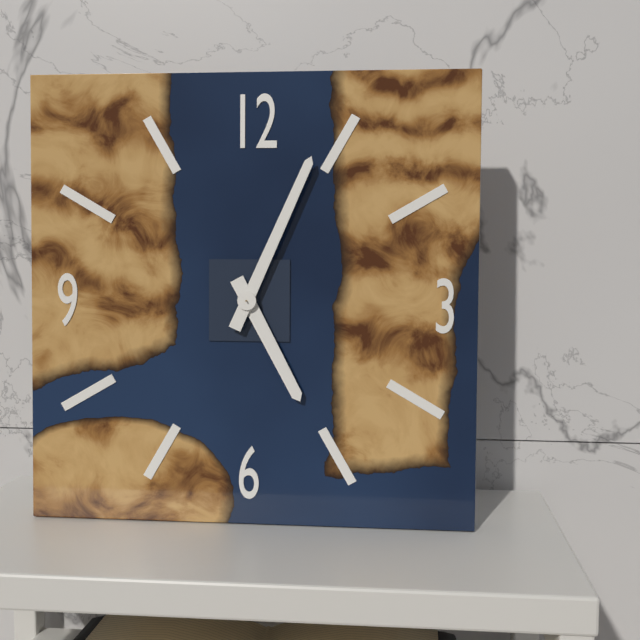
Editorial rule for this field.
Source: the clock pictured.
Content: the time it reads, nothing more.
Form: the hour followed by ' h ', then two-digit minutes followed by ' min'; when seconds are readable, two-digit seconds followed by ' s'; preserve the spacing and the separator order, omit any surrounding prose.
5 h 04 min
